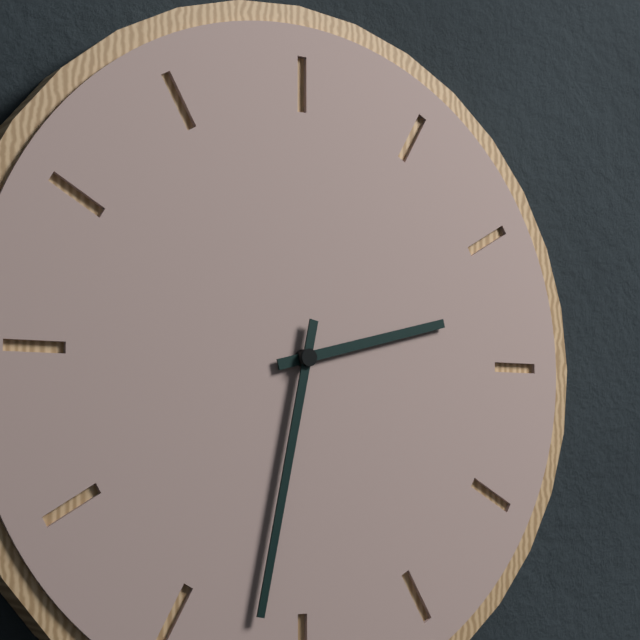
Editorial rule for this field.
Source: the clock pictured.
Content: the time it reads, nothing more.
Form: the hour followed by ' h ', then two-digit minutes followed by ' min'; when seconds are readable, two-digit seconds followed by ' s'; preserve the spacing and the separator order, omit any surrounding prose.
2 h 32 min
